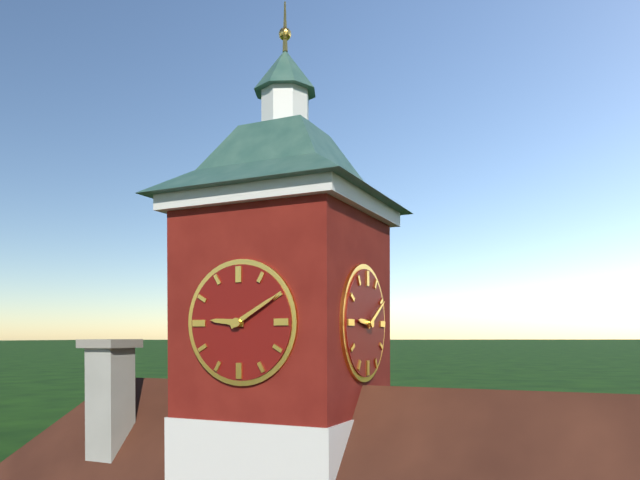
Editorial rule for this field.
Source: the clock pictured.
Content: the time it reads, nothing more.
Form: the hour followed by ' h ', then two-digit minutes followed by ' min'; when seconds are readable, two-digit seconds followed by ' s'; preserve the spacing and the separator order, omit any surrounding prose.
9 h 10 min
